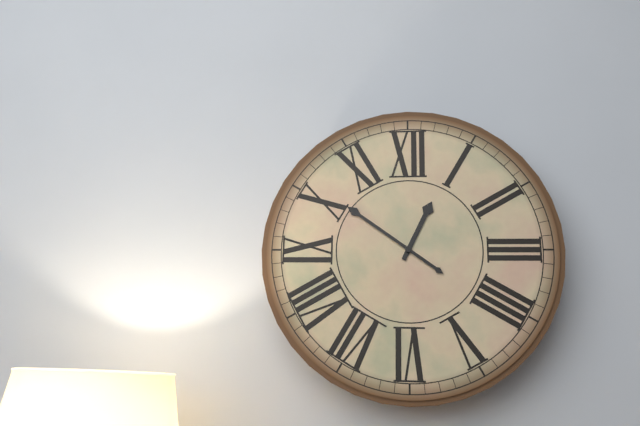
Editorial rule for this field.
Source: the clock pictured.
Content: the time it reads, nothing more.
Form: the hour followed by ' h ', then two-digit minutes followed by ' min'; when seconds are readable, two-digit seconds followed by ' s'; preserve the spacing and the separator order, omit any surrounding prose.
12 h 51 min
